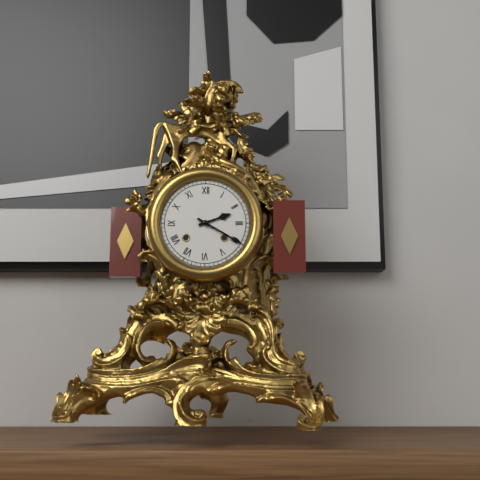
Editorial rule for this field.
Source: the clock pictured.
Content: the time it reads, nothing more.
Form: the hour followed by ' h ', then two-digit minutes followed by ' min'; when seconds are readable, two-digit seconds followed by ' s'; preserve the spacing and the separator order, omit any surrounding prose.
2 h 20 min
